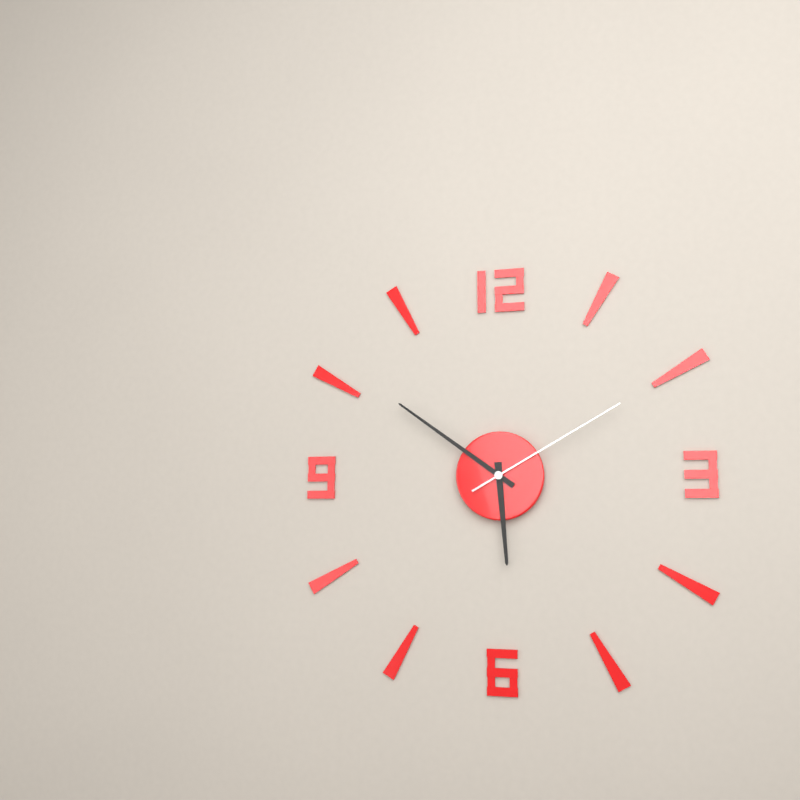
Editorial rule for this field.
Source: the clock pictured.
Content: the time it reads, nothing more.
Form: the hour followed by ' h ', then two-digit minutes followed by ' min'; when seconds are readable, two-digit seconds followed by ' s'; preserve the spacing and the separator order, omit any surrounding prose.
5 h 51 min 10 s
